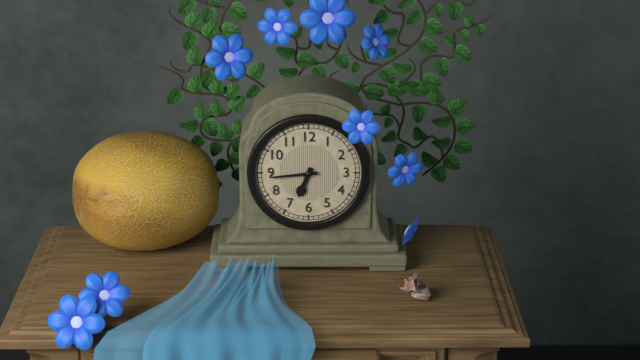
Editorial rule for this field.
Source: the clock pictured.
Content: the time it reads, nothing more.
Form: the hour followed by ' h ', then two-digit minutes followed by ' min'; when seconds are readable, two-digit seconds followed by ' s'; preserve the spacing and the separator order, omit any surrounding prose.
6 h 44 min
